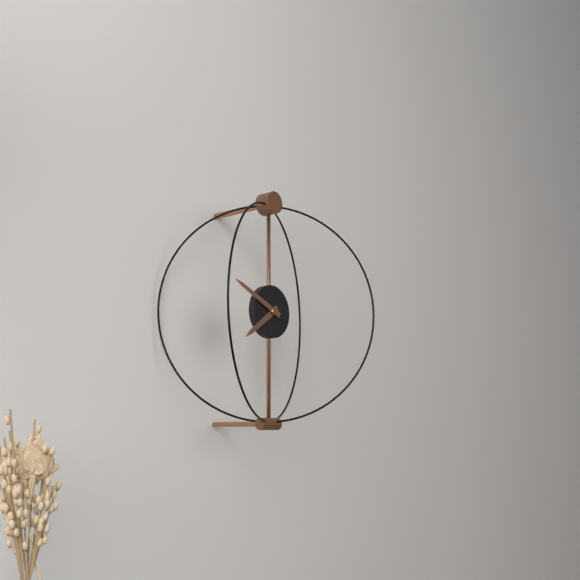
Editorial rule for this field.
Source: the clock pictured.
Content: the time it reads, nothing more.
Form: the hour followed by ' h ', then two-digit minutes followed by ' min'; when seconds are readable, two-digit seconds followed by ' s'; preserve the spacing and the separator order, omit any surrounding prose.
7 h 49 min
